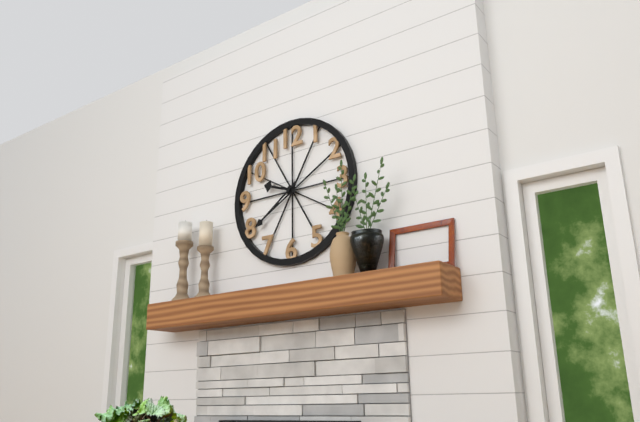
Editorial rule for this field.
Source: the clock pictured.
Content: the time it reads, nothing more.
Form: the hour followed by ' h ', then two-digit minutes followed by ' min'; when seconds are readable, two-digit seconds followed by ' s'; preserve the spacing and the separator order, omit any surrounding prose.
9 h 39 min
